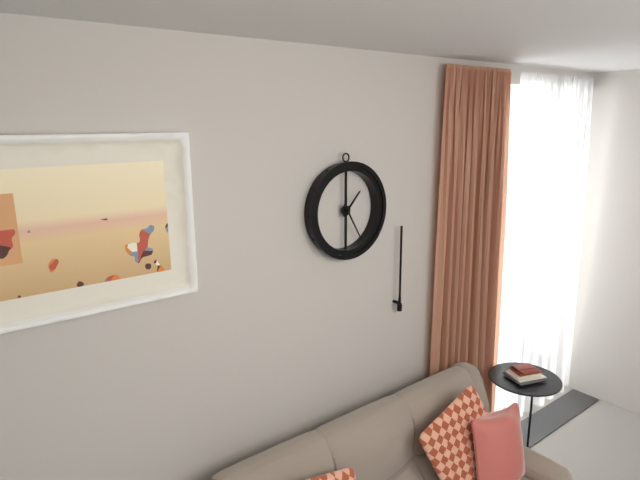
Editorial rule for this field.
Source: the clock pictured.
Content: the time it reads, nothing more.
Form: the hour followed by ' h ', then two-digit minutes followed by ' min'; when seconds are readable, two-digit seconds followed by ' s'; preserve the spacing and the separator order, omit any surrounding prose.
1 h 25 min
